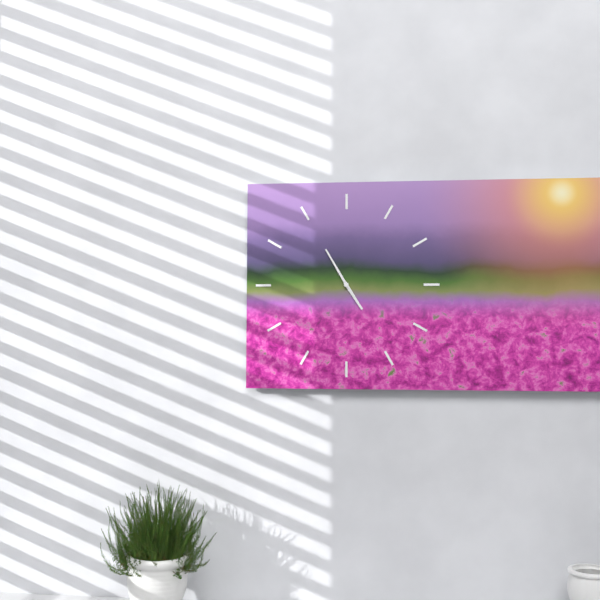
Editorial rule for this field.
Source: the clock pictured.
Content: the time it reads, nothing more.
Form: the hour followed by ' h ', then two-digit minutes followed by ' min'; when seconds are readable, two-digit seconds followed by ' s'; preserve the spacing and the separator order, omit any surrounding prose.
4 h 55 min
